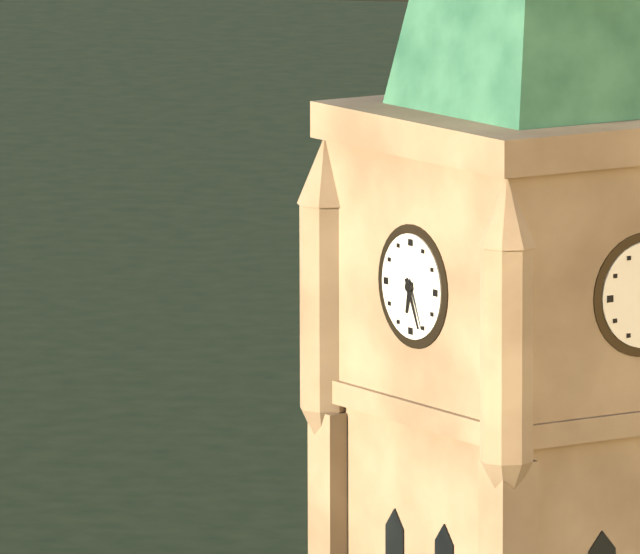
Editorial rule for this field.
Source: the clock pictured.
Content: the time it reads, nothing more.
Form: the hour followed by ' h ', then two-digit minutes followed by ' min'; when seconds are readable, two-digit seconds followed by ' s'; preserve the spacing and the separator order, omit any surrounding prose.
6 h 26 min
